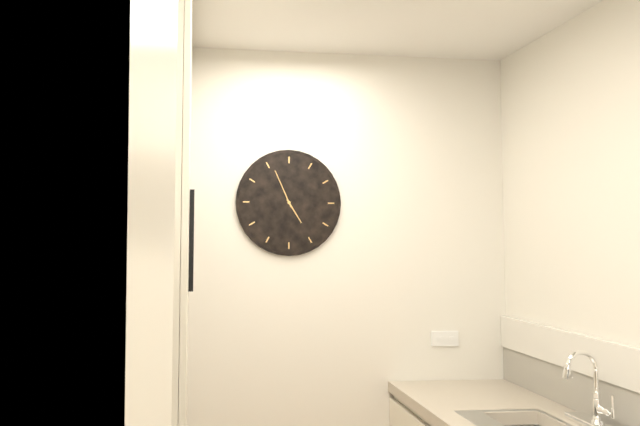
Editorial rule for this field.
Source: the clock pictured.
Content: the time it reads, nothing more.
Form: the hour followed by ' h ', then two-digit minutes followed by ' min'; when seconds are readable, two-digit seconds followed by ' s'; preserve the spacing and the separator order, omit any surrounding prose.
4 h 56 min
